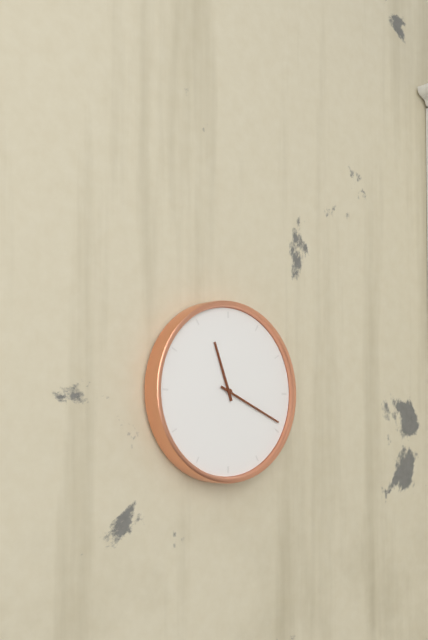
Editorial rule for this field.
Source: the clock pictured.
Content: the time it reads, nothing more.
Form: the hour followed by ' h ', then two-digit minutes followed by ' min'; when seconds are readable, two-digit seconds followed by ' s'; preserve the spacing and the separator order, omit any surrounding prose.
11 h 19 min
